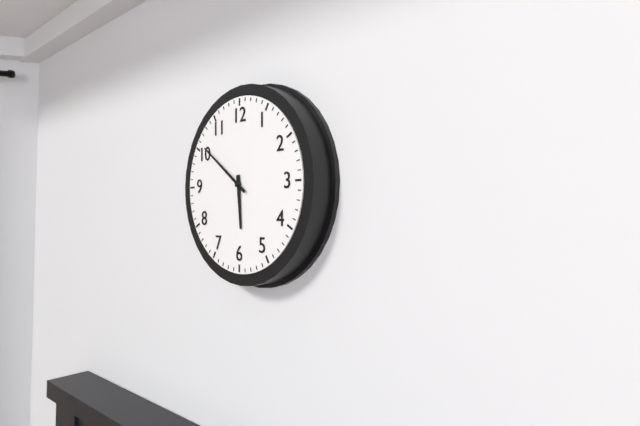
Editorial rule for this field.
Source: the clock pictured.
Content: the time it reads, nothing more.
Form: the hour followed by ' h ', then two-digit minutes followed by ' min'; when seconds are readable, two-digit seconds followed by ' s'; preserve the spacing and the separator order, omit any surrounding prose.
5 h 51 min
